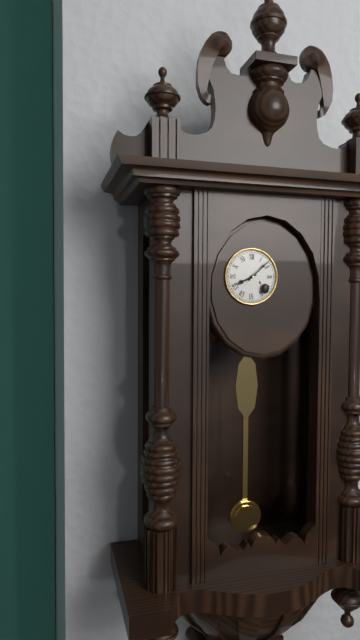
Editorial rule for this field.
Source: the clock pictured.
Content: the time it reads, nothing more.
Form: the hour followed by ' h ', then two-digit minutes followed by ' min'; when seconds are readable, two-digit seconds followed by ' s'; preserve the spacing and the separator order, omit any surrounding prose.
8 h 08 min
